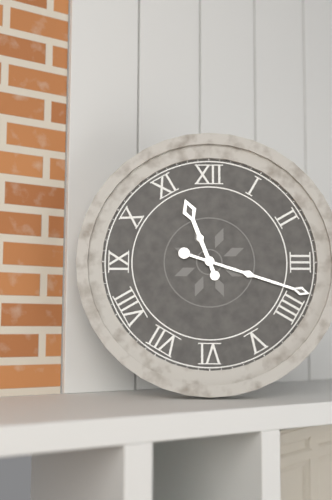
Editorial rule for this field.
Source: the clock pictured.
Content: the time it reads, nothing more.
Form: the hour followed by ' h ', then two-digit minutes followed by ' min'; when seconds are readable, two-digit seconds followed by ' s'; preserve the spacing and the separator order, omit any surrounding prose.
11 h 18 min
